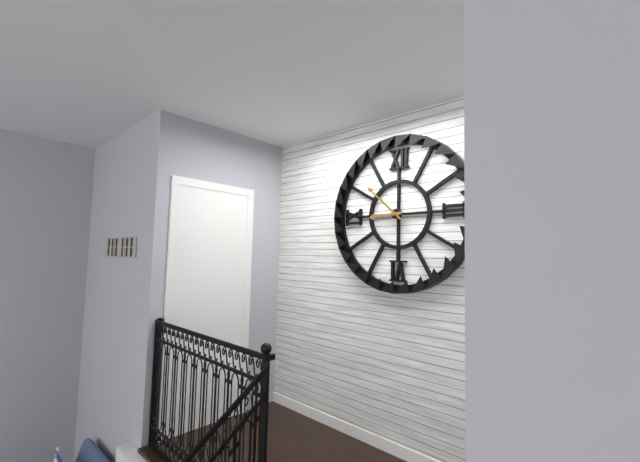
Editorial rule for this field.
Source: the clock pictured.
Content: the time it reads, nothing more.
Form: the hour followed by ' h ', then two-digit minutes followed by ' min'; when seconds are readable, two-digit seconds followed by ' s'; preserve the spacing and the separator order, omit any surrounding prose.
8 h 52 min
